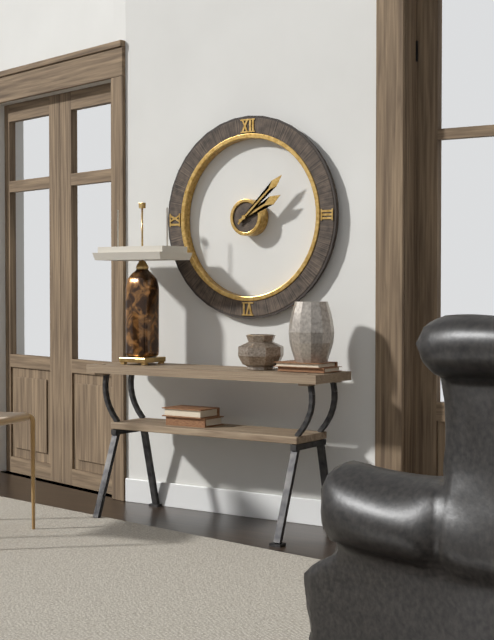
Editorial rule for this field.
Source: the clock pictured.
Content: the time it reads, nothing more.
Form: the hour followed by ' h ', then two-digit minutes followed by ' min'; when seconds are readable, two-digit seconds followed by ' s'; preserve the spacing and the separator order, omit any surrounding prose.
2 h 08 min
